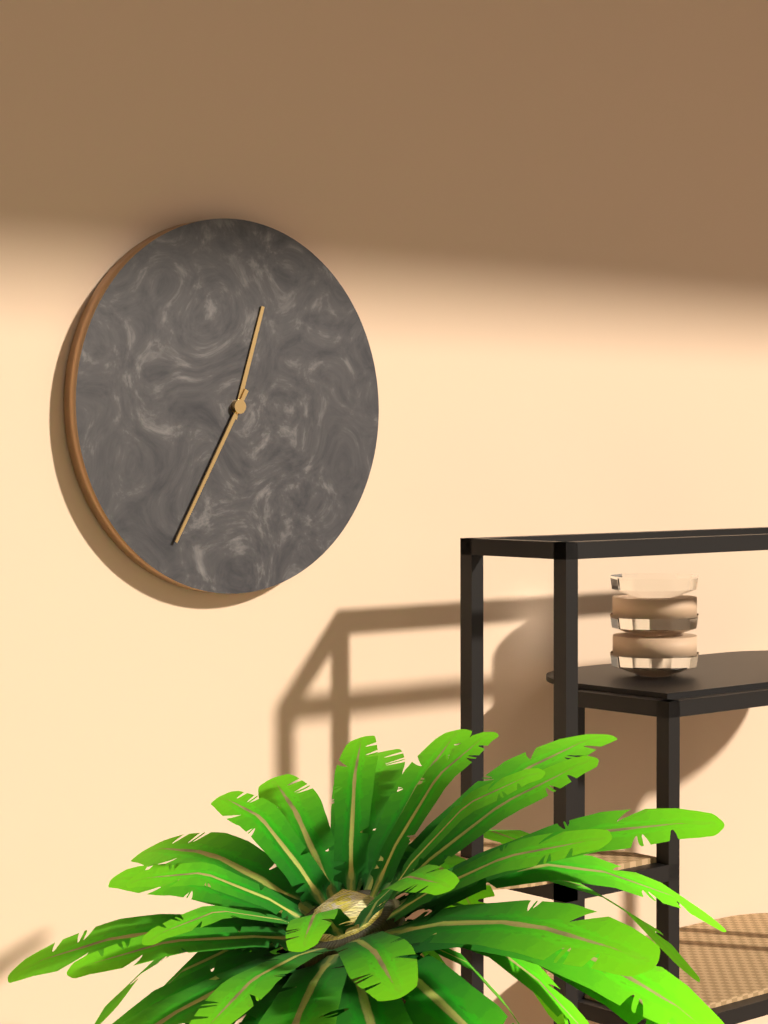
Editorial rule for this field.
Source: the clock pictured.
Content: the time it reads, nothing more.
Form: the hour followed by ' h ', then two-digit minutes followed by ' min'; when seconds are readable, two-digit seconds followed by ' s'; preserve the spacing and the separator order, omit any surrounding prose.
12 h 35 min
